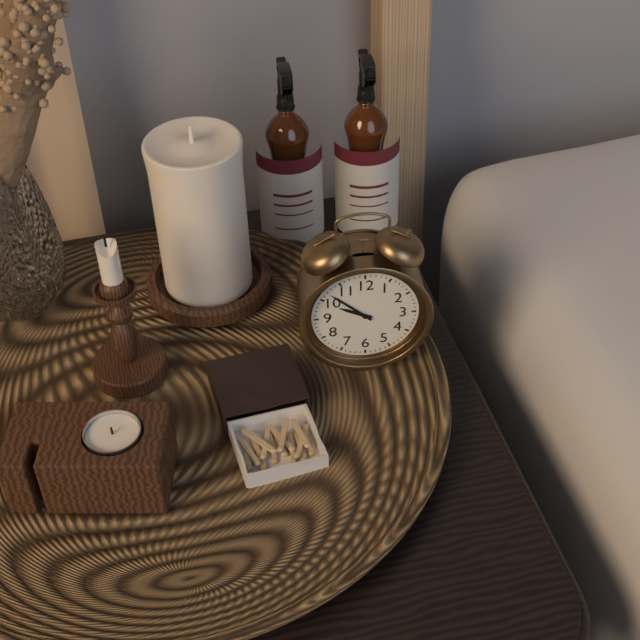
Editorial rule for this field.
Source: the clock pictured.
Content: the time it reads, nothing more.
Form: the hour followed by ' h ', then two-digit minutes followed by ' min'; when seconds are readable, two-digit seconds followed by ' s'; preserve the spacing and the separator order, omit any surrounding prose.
9 h 52 min
